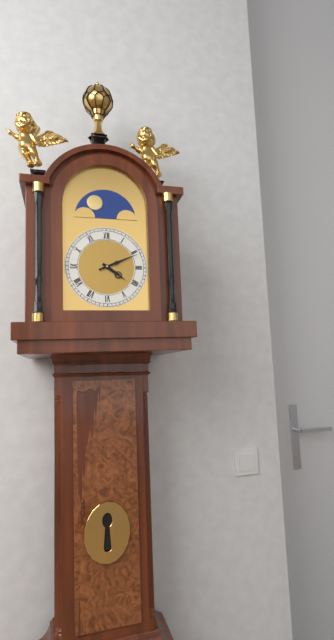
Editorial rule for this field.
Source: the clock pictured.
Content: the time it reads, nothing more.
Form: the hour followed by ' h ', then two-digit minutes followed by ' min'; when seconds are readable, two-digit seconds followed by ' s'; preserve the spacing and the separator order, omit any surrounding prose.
4 h 11 min
